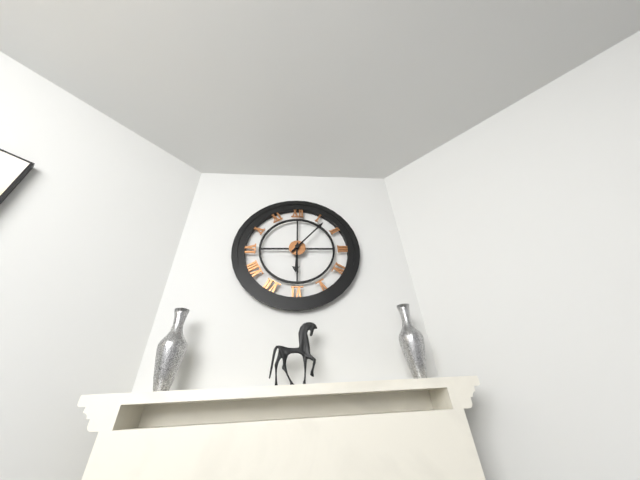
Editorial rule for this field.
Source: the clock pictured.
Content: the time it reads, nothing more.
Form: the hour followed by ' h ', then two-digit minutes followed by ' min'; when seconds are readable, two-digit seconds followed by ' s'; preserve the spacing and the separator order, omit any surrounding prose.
6 h 07 min
